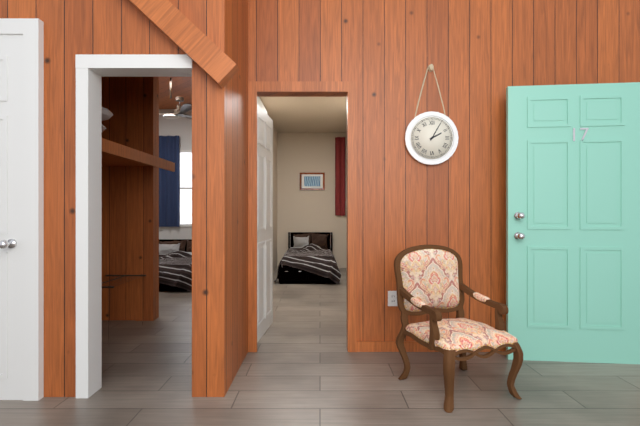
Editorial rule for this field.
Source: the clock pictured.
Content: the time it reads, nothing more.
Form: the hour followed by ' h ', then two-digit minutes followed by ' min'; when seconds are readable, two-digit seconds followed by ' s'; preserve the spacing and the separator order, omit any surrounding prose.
2 h 05 min
